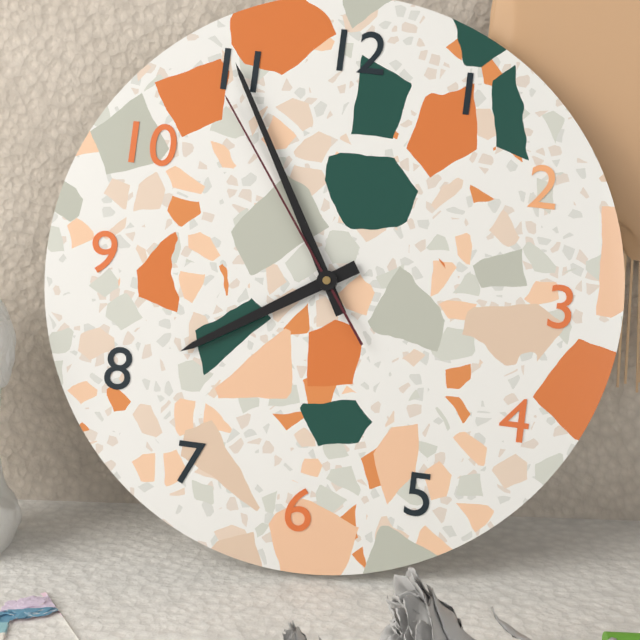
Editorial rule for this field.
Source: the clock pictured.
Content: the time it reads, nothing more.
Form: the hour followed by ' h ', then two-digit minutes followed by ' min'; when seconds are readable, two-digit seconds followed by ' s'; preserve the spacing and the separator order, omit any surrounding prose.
7 h 55 min 54 s
